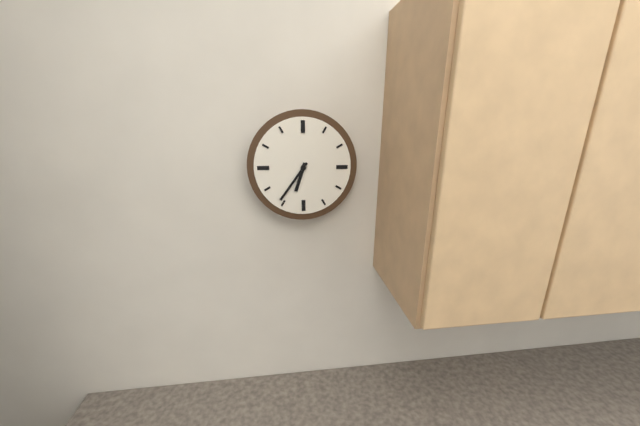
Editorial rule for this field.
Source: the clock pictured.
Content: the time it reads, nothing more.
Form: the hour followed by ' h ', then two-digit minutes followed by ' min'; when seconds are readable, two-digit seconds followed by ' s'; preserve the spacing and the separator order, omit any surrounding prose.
6 h 36 min
